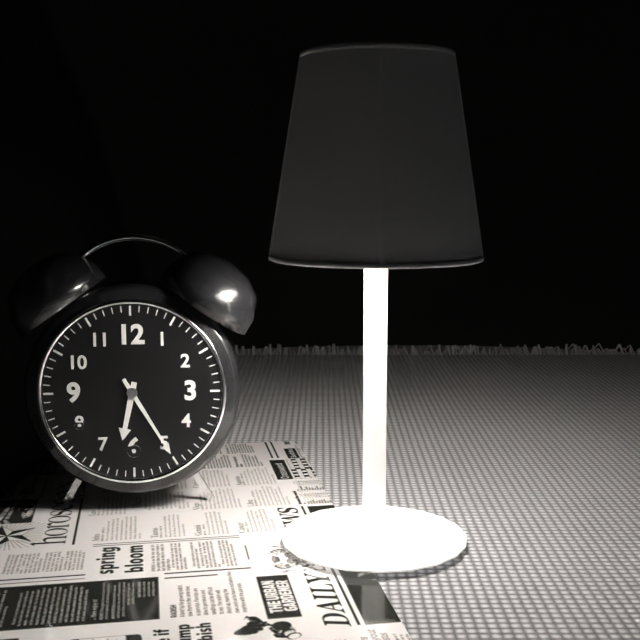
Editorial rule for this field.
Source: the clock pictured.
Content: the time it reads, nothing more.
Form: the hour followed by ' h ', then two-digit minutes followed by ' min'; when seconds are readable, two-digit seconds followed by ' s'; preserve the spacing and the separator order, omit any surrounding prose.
6 h 25 min
